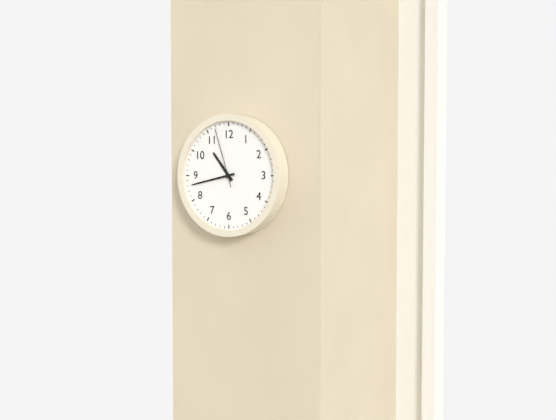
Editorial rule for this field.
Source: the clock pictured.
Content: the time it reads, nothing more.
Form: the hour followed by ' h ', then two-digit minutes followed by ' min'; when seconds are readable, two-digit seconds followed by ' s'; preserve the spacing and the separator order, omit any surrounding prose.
10 h 43 min 57 s
